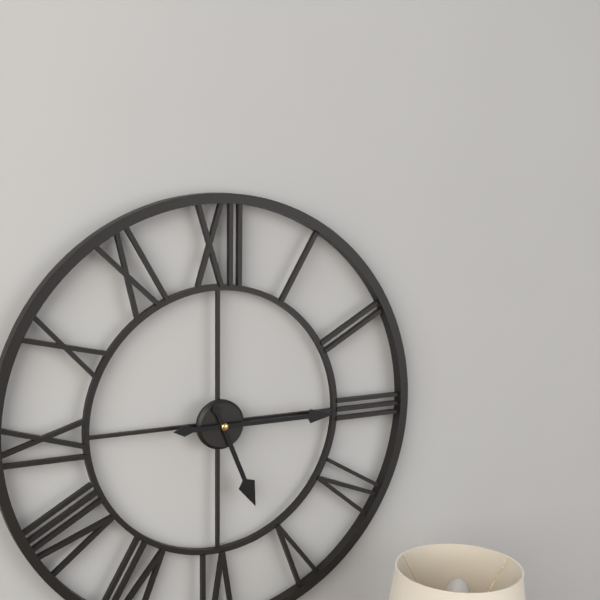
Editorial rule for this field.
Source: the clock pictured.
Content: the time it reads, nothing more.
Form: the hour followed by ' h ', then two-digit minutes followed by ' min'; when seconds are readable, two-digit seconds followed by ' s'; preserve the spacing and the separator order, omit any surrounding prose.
5 h 15 min
